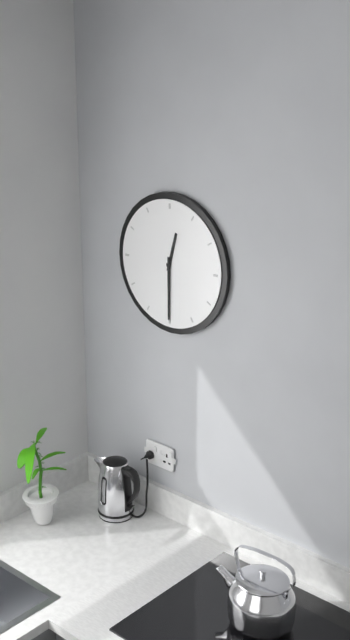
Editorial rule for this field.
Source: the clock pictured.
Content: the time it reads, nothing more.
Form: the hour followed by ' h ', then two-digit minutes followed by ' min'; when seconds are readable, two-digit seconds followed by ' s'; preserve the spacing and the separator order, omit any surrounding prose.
12 h 30 min
